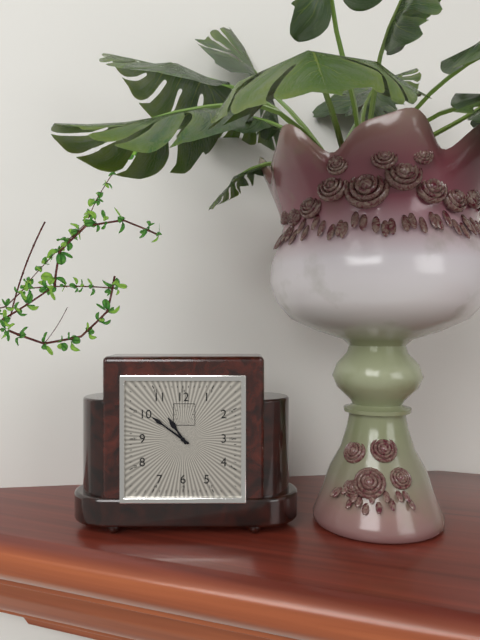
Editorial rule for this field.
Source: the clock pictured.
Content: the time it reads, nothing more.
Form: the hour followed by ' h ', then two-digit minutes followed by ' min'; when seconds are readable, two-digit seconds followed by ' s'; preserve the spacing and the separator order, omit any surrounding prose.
10 h 51 min
